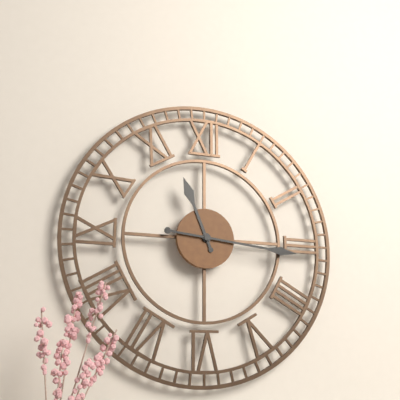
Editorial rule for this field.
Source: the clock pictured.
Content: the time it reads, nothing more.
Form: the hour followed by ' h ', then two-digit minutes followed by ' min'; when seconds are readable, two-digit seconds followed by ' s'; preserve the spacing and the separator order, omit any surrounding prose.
11 h 16 min
